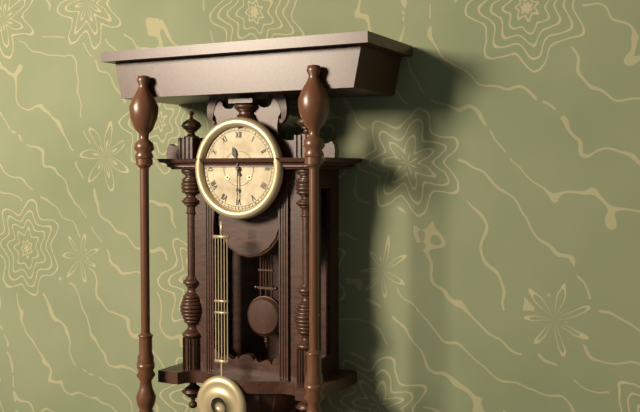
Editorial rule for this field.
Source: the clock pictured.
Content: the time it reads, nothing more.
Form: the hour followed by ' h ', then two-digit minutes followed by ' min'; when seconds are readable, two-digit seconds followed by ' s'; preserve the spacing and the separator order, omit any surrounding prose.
11 h 30 min
